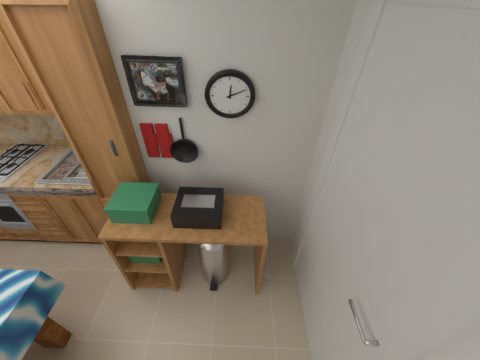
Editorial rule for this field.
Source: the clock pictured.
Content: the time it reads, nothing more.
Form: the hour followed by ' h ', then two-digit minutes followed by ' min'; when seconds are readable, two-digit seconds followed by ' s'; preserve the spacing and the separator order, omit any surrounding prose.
12 h 11 min
